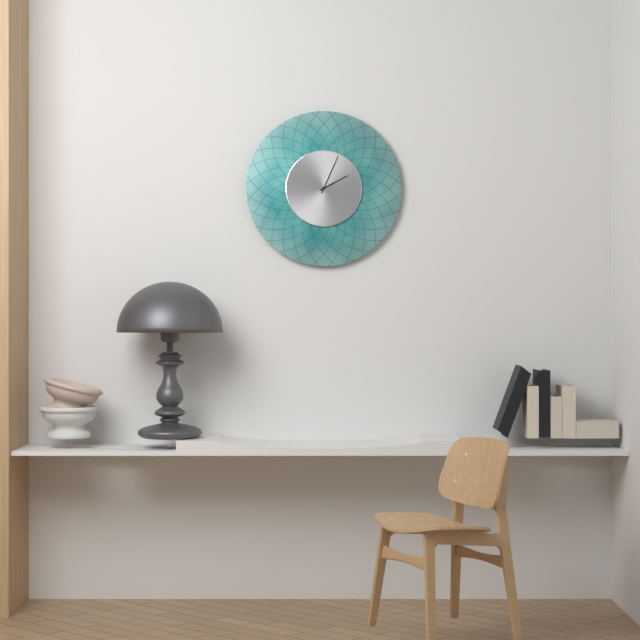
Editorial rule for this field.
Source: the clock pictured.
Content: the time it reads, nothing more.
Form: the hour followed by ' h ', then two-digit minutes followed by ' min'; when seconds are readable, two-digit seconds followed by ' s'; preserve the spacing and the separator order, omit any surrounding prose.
2 h 04 min
